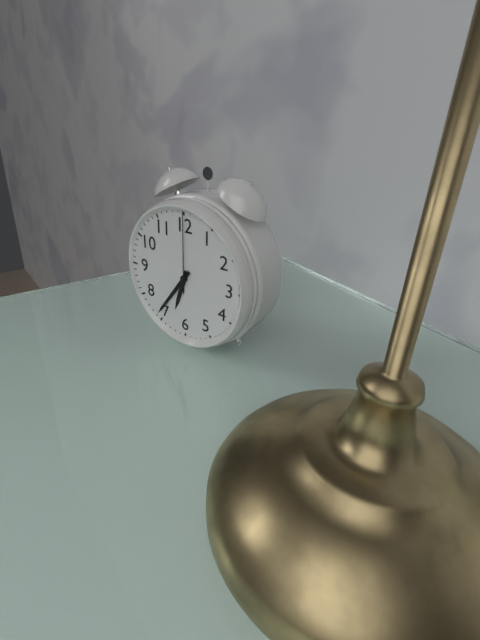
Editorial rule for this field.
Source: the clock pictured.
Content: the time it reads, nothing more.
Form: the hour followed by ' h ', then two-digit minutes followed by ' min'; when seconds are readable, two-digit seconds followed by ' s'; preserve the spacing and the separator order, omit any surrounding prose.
6 h 36 min 00 s
